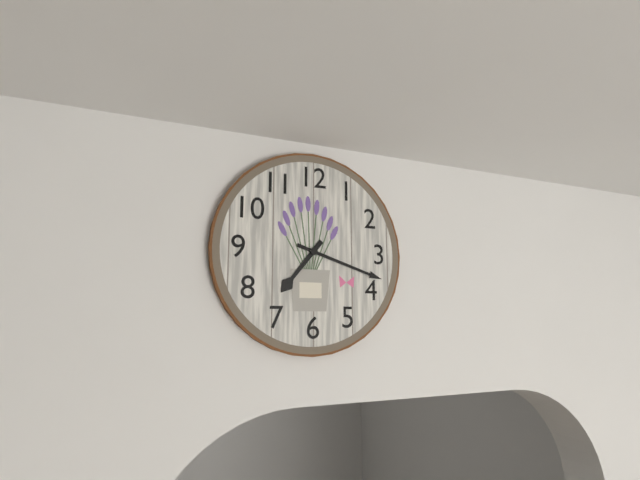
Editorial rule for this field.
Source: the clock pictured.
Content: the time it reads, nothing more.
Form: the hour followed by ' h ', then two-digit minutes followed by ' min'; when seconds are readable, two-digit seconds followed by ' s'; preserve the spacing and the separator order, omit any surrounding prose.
7 h 18 min
